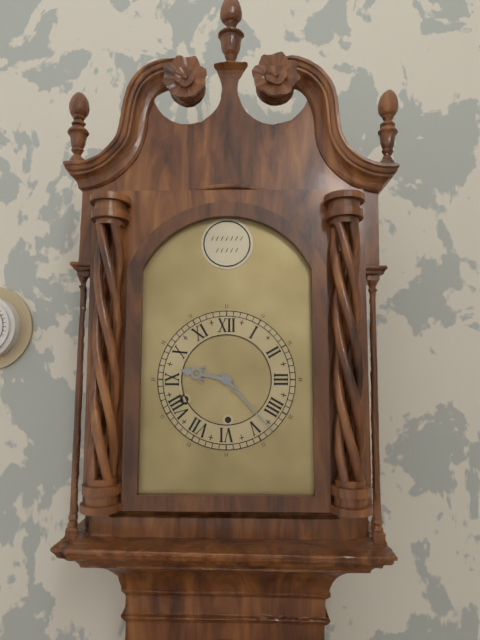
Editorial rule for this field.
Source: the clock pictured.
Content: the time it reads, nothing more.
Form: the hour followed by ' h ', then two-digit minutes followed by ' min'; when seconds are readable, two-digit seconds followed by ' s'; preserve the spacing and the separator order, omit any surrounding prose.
9 h 23 min
